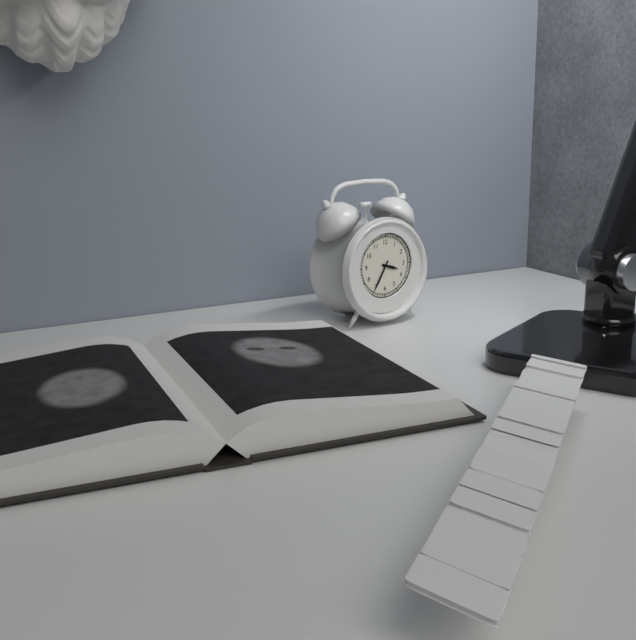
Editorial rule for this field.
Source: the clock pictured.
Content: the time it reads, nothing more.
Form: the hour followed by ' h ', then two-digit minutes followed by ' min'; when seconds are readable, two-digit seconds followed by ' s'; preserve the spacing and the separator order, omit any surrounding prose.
3 h 35 min
